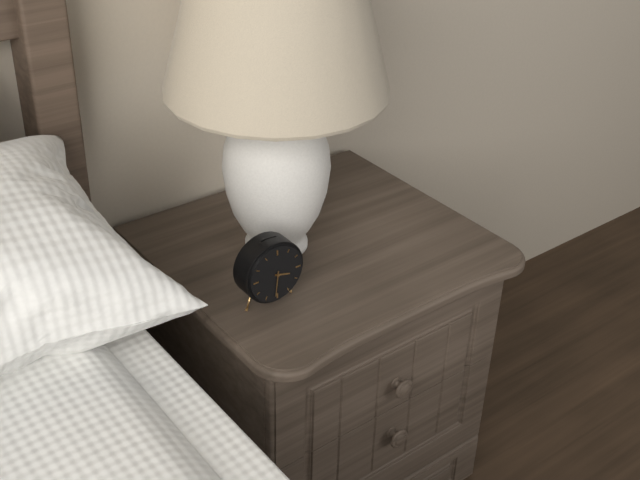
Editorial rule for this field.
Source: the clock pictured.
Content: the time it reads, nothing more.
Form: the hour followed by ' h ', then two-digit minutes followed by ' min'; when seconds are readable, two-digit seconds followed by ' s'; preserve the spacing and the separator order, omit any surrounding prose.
3 h 31 min
